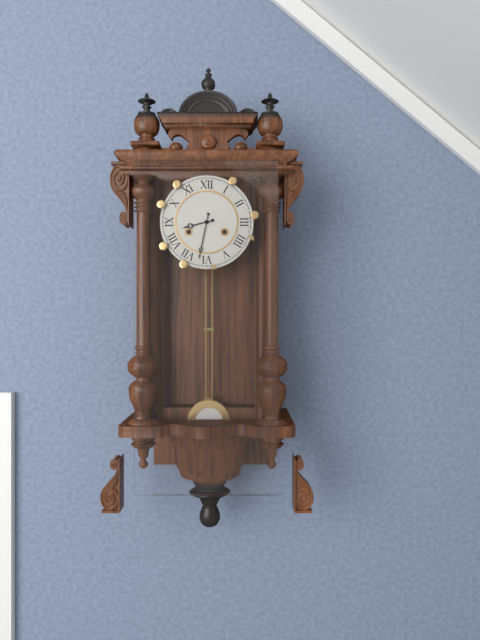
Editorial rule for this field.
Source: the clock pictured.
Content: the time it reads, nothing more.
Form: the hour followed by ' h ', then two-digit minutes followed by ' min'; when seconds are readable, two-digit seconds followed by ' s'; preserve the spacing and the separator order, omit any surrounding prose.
8 h 32 min
